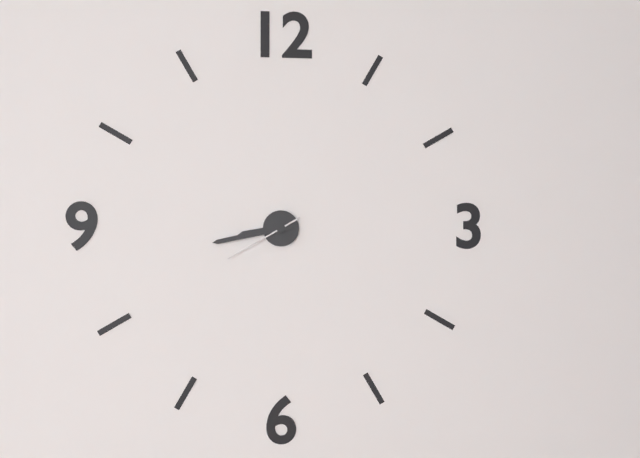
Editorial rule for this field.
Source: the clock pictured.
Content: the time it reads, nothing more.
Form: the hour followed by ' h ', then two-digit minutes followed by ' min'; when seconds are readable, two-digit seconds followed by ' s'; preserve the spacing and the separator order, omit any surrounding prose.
8 h 43 min 40 s
